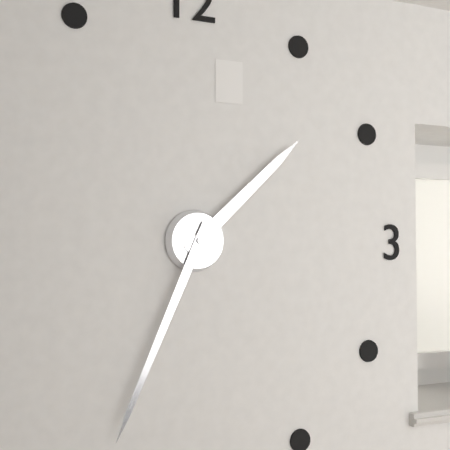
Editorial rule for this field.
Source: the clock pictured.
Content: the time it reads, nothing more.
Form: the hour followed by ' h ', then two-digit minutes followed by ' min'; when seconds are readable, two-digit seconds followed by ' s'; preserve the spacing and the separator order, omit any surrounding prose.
1 h 34 min
